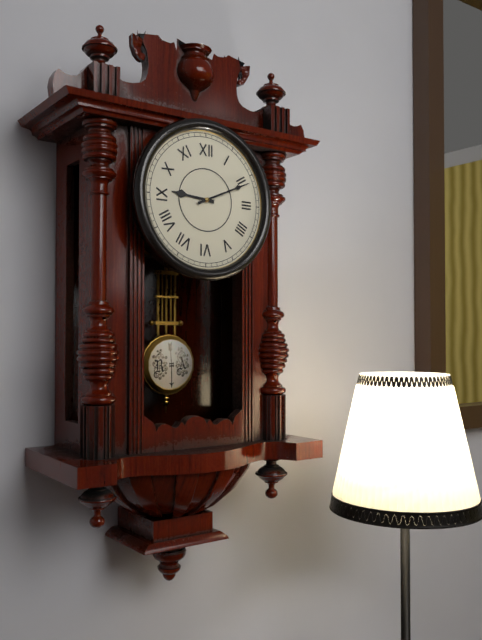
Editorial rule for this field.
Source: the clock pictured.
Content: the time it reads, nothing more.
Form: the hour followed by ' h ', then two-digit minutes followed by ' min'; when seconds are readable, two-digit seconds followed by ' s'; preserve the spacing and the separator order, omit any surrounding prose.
9 h 11 min
